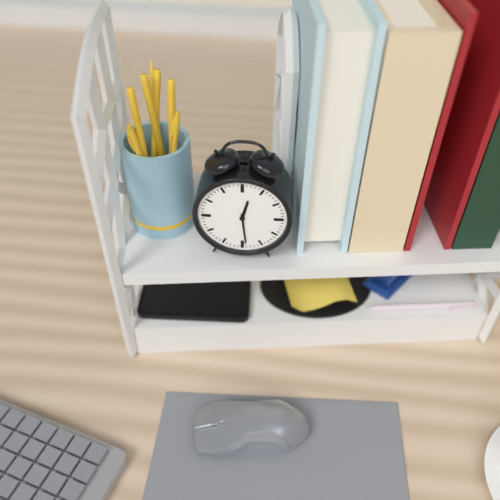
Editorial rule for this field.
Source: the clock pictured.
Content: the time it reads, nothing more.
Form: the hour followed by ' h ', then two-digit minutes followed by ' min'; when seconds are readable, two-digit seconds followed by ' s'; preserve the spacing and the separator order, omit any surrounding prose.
12 h 29 min
